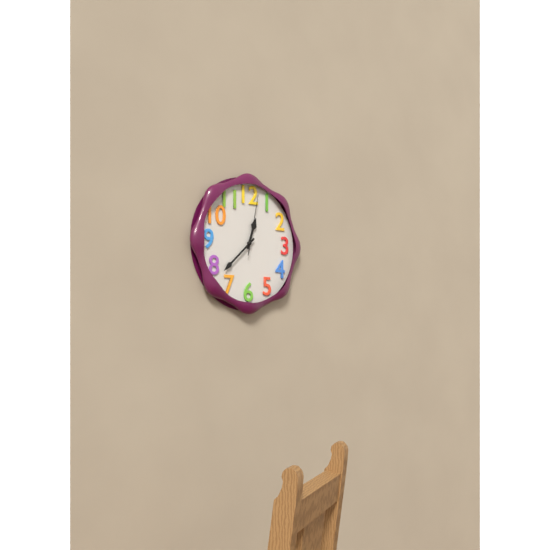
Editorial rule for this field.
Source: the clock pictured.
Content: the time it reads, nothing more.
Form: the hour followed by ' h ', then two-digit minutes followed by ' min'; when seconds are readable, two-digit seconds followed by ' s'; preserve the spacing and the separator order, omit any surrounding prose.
12 h 38 min 02 s
